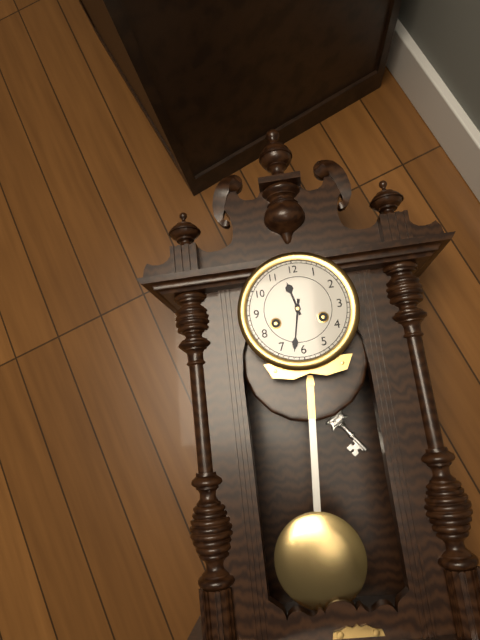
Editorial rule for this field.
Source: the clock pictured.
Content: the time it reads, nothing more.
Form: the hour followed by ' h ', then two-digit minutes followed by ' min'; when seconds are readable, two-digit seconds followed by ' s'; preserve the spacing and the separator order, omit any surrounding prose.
11 h 32 min
